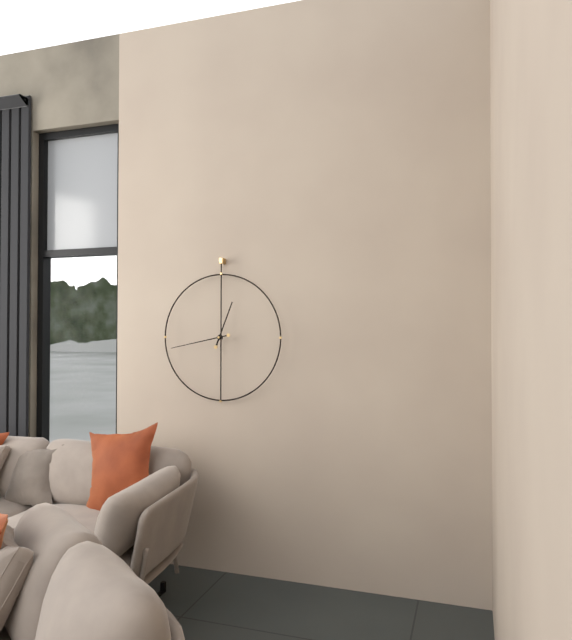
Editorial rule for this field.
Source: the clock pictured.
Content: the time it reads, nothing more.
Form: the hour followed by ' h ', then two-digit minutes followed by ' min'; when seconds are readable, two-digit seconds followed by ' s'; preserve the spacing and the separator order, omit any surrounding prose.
12 h 43 min
